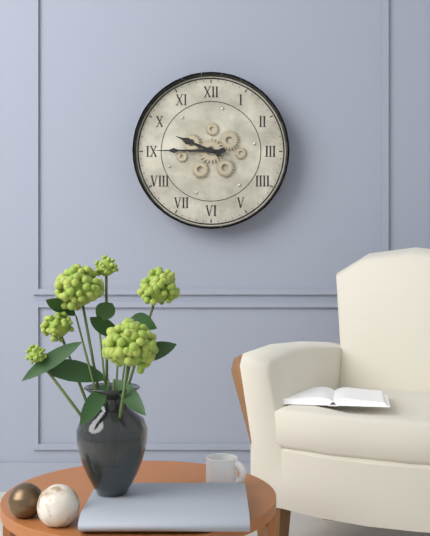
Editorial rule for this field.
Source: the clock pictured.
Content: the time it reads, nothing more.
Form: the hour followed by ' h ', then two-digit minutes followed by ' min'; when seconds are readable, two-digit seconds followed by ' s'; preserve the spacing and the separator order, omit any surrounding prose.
9 h 45 min
